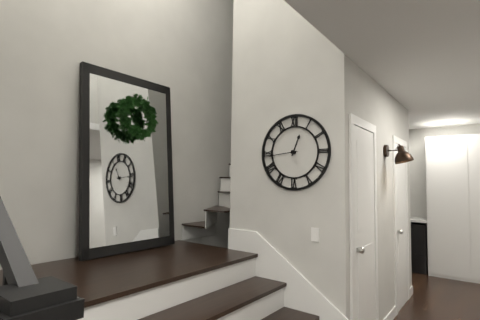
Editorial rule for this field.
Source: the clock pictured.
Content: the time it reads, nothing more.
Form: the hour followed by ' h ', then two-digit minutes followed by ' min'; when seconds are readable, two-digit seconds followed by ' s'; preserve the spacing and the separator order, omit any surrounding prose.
12 h 44 min
